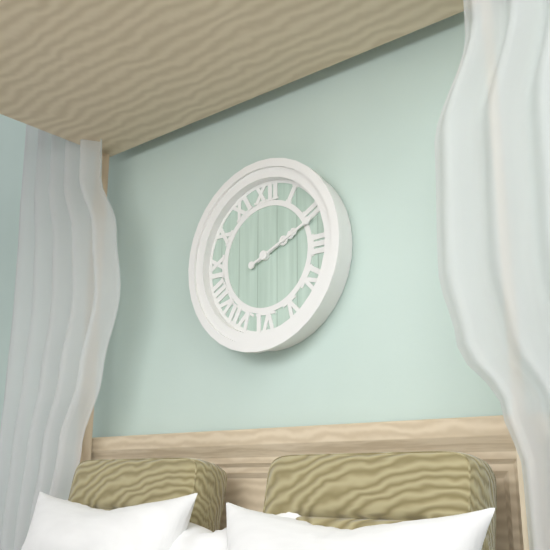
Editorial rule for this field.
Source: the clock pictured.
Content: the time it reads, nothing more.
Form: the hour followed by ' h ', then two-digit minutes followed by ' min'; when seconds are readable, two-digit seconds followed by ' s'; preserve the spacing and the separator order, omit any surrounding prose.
2 h 11 min
